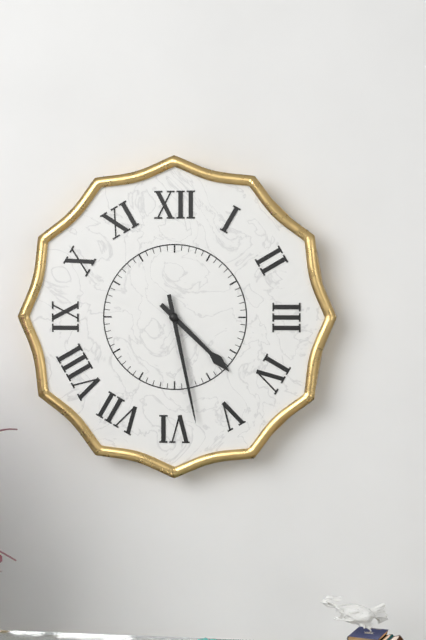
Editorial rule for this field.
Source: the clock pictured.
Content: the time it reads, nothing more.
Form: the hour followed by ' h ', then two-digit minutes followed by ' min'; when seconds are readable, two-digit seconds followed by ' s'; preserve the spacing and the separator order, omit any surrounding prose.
4 h 28 min
